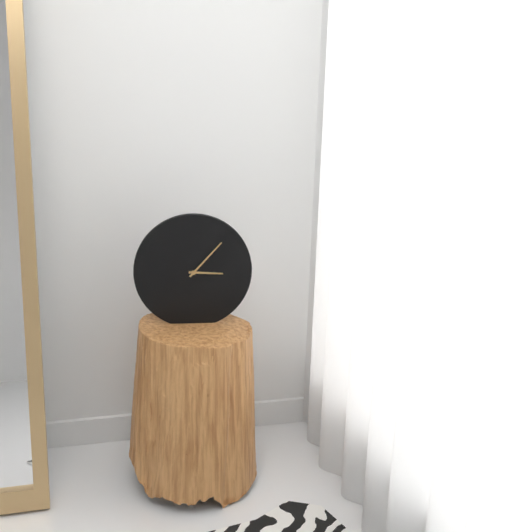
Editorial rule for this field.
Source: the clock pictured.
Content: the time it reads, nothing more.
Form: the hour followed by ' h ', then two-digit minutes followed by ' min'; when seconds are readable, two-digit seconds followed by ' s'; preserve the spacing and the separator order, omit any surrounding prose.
3 h 07 min
